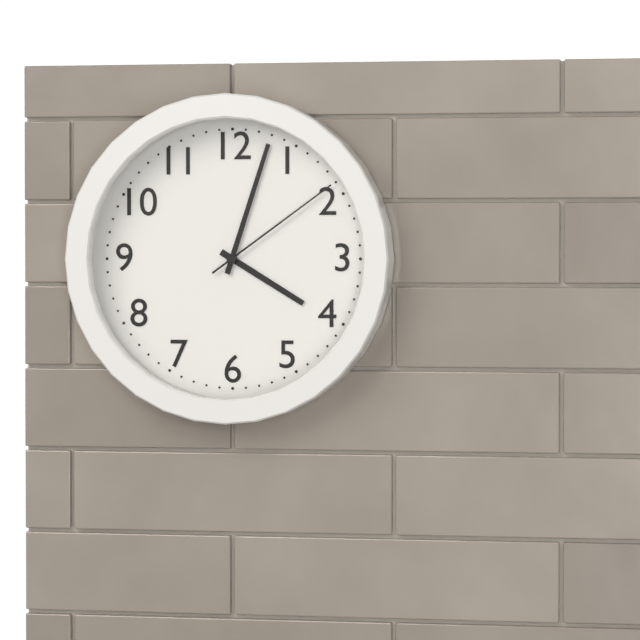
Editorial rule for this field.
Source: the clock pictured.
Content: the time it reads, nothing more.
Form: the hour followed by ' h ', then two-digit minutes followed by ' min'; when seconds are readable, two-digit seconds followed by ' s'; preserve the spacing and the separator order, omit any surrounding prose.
4 h 03 min 09 s
